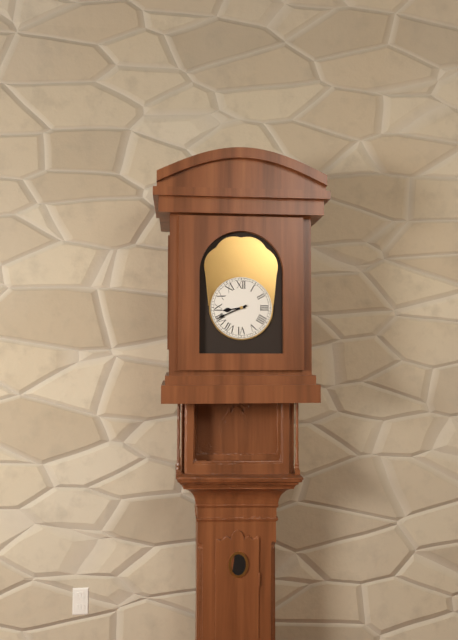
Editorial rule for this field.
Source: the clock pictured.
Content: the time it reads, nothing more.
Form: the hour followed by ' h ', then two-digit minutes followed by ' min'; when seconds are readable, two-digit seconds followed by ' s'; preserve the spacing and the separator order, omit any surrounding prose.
8 h 41 min
